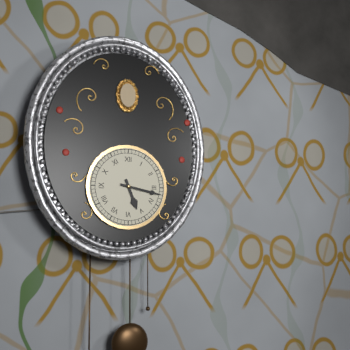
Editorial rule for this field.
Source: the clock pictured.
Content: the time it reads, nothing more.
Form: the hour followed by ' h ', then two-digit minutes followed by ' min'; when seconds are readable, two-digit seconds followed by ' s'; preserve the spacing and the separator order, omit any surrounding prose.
5 h 17 min
